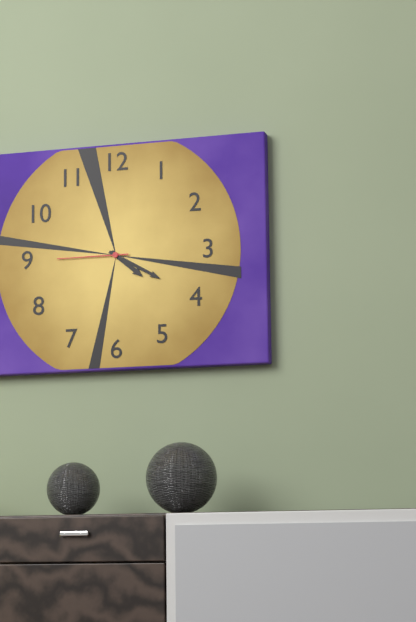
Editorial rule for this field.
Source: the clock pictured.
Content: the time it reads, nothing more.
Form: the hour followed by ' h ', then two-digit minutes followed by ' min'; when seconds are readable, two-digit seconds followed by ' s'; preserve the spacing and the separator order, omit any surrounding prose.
4 h 20 min 45 s
